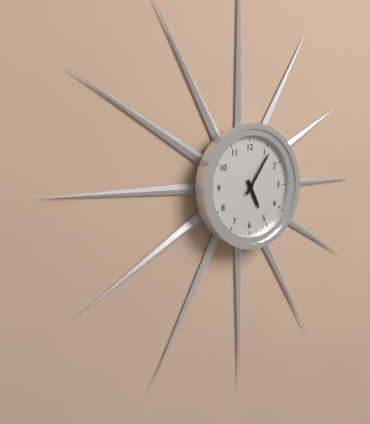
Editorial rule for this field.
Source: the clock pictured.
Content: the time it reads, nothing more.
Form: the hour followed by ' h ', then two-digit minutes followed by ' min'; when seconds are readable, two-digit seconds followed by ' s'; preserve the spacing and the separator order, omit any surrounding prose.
5 h 06 min
